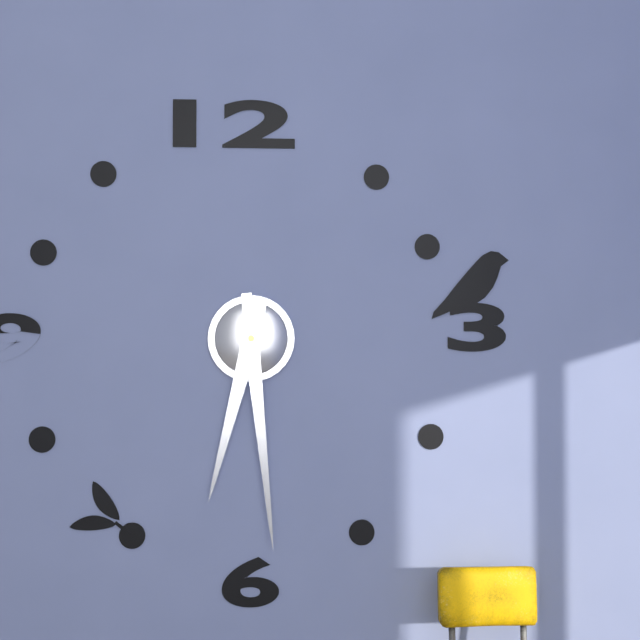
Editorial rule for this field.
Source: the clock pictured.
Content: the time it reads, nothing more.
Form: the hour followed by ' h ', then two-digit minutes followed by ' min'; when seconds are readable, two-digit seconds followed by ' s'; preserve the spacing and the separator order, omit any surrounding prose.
6 h 29 min
